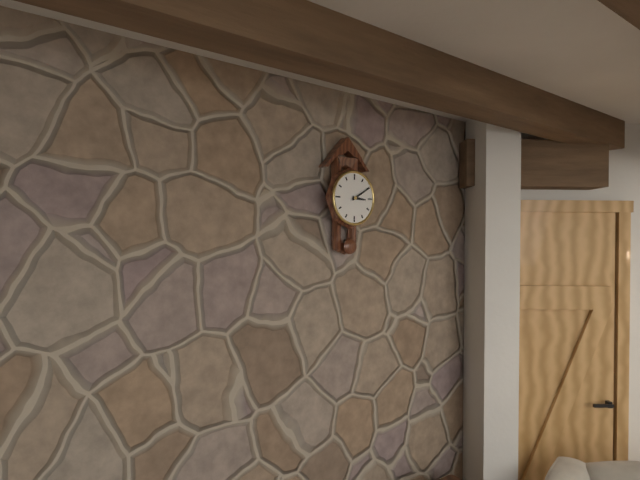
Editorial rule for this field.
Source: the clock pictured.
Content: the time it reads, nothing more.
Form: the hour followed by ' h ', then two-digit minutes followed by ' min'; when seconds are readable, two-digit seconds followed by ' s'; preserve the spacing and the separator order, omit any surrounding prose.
3 h 10 min
